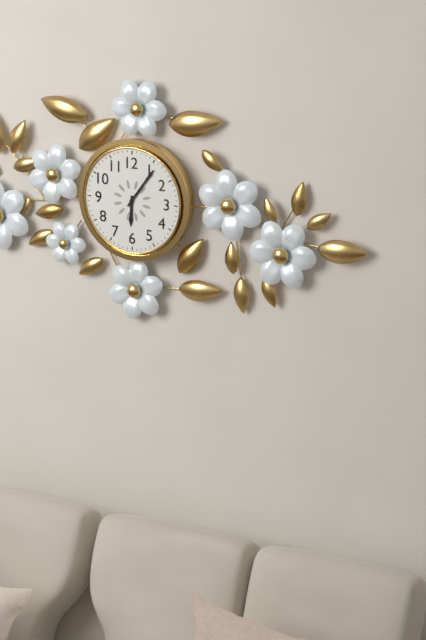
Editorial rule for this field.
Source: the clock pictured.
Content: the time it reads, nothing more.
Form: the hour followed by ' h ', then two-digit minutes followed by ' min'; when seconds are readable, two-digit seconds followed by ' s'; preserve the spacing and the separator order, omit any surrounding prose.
6 h 06 min
